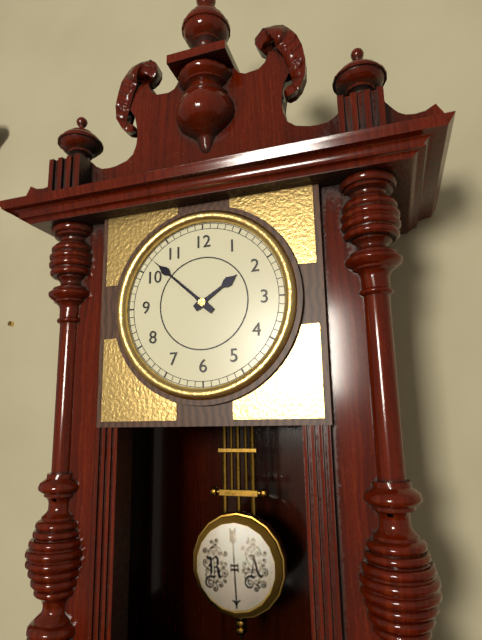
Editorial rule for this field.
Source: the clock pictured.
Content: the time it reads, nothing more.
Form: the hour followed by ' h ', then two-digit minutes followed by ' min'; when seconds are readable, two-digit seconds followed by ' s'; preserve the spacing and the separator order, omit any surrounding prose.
1 h 52 min
